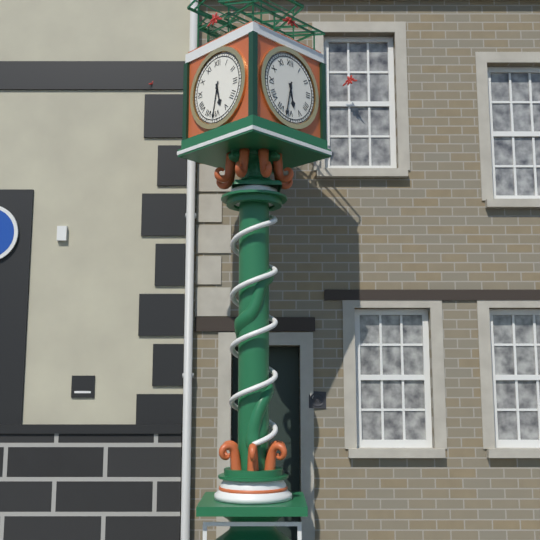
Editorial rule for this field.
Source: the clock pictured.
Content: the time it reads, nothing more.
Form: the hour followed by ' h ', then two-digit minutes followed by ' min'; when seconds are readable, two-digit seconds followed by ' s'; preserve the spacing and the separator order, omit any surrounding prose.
5 h 32 min
